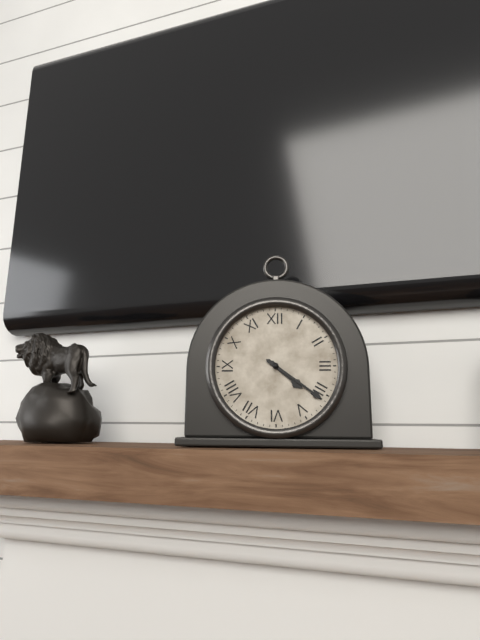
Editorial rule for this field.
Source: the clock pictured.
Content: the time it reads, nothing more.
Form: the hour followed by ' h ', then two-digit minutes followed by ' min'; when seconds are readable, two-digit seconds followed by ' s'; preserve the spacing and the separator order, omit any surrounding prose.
4 h 21 min
